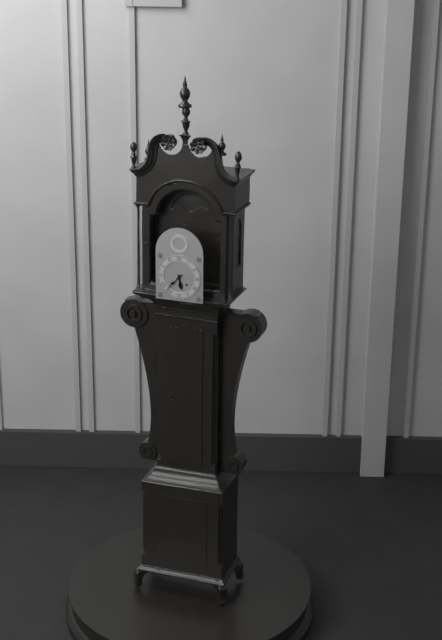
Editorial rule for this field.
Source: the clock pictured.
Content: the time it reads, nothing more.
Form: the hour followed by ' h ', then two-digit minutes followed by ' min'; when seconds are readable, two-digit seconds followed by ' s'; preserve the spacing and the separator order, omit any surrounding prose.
5 h 37 min
